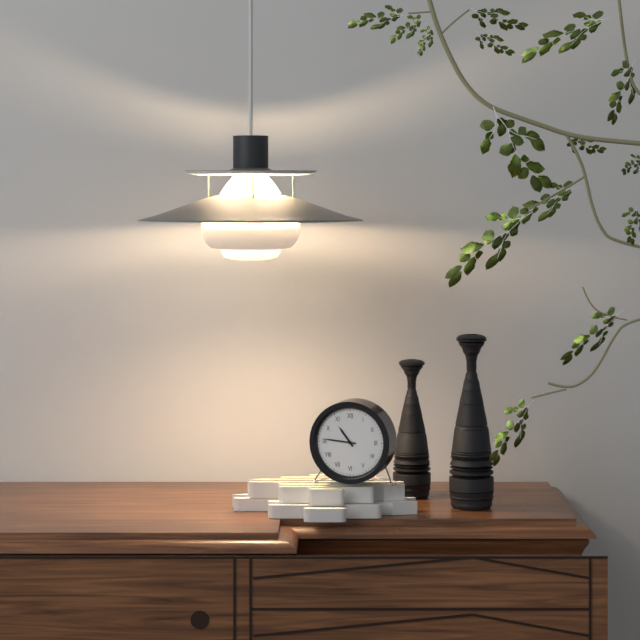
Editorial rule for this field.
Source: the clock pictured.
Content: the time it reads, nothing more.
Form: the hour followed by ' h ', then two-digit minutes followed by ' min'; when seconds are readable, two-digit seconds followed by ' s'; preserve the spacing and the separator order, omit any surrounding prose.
10 h 46 min
